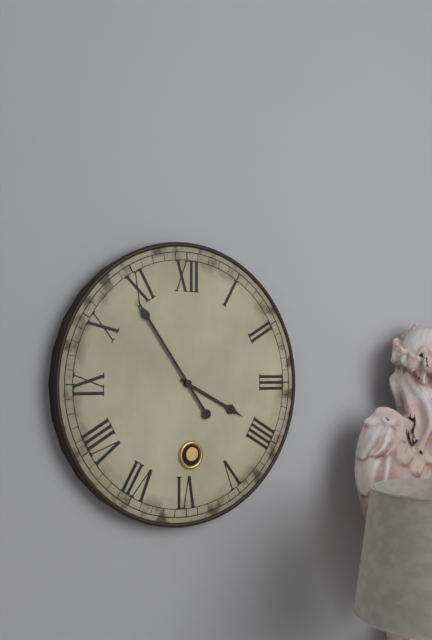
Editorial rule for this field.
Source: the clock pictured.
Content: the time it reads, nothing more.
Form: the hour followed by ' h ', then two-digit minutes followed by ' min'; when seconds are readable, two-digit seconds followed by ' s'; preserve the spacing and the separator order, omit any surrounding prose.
3 h 54 min
